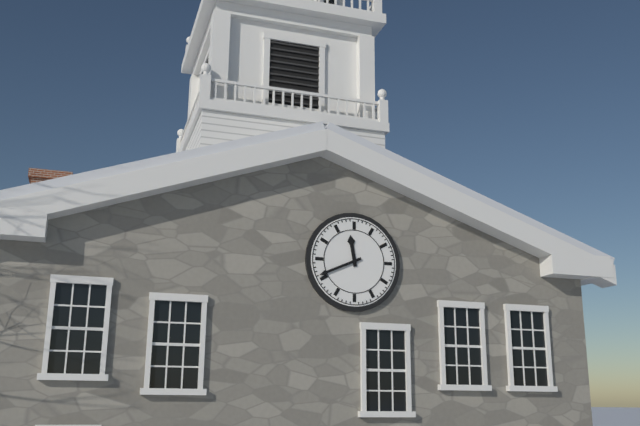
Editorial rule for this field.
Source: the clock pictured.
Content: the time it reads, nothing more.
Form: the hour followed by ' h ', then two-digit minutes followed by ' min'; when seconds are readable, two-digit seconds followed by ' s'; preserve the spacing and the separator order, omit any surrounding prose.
11 h 41 min
